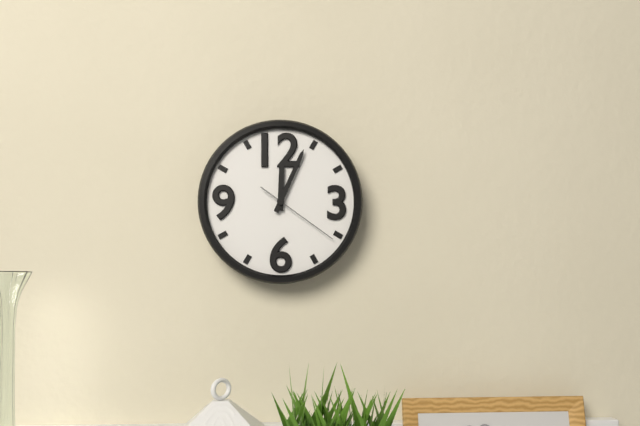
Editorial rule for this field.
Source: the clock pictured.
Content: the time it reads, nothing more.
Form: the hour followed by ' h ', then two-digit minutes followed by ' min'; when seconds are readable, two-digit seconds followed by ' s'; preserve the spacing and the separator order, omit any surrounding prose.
12 h 04 min 21 s
